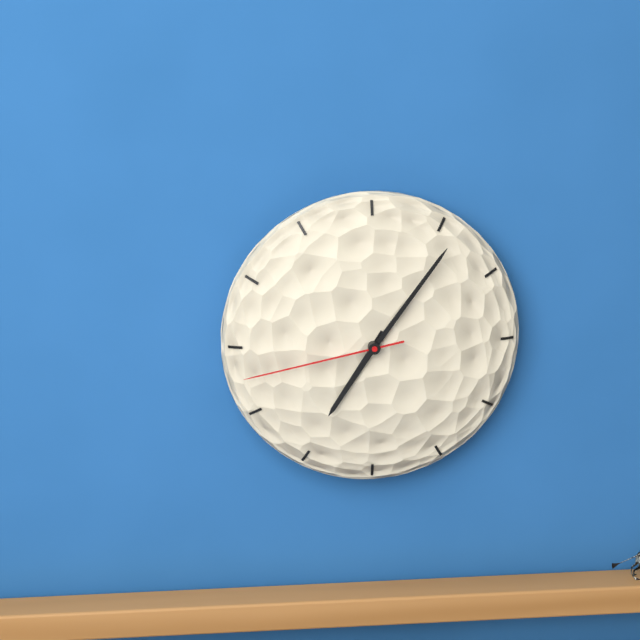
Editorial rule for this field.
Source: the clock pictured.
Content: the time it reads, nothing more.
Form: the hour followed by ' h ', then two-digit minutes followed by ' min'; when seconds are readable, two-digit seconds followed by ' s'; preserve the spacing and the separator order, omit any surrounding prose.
7 h 06 min 43 s
